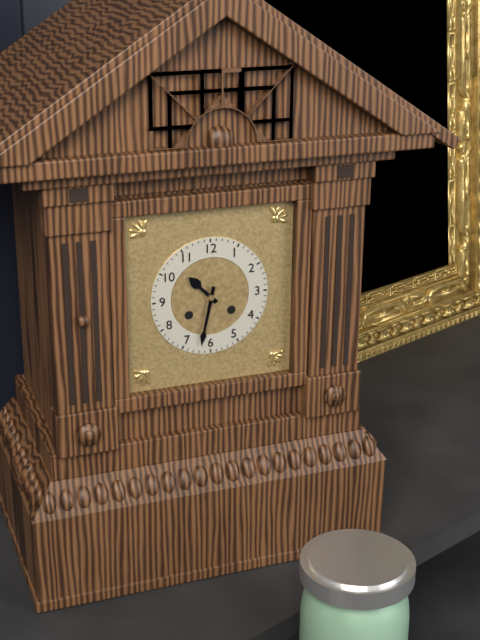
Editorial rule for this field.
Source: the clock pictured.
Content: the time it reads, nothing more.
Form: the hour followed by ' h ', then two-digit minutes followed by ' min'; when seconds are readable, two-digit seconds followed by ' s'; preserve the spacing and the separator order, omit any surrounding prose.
10 h 32 min
